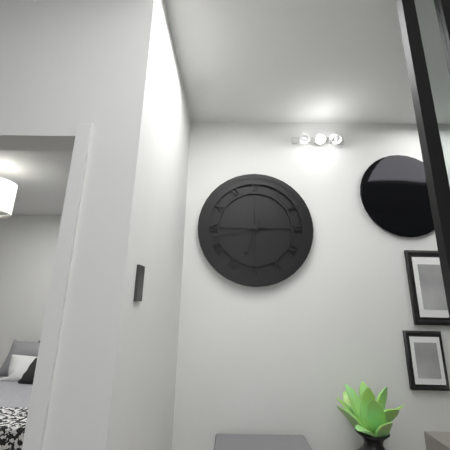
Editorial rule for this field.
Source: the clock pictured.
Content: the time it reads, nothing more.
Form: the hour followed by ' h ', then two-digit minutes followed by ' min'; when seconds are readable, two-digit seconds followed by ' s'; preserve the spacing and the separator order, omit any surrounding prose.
6 h 43 min
